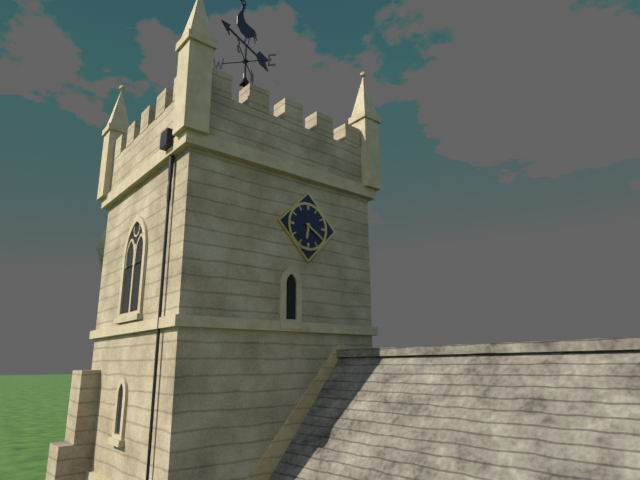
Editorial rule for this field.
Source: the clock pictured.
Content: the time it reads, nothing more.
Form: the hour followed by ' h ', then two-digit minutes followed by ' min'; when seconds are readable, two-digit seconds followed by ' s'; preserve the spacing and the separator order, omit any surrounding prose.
6 h 20 min
